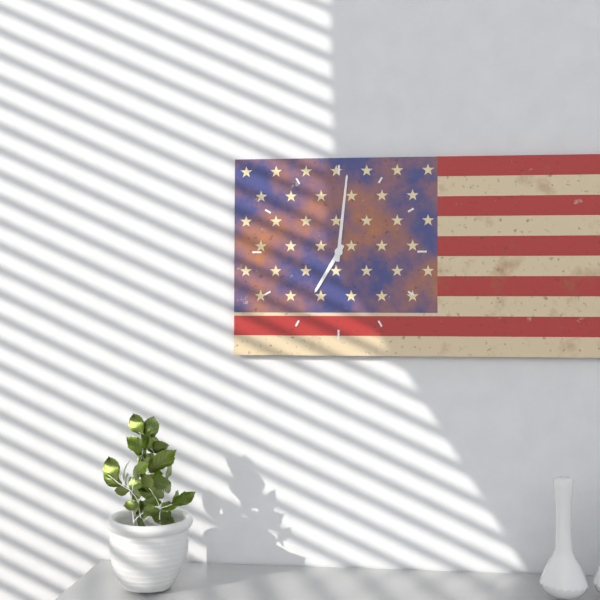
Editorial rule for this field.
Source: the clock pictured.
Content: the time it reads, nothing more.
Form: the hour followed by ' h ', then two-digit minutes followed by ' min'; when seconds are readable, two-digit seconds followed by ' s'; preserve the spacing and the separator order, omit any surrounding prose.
7 h 01 min
